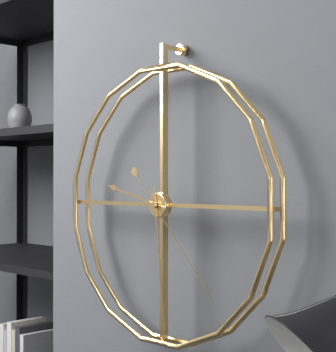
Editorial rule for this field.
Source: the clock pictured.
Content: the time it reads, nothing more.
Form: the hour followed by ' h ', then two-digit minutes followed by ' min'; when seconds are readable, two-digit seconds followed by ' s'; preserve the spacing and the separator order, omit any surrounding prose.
9 h 29 min 23 s
